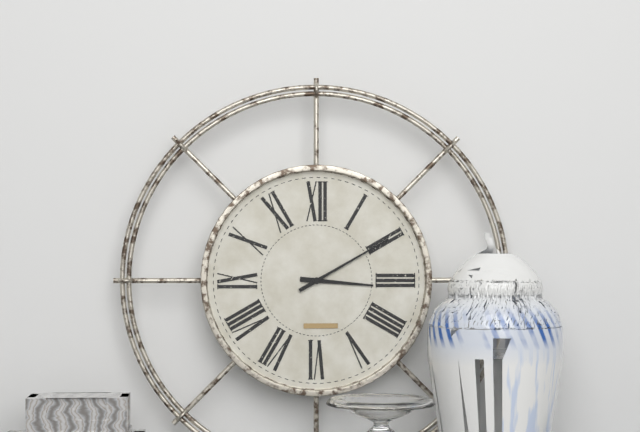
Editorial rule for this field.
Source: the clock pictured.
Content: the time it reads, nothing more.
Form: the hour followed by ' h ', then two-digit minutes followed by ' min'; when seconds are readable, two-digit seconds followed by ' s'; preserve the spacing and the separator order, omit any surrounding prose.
3 h 10 min
